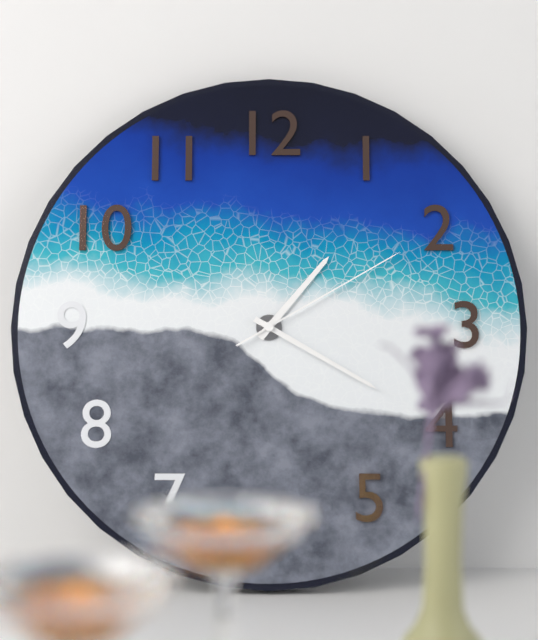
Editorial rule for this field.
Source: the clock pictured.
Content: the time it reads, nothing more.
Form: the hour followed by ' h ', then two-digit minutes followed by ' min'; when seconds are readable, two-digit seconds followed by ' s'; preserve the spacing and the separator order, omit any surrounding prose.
1 h 20 min 10 s
